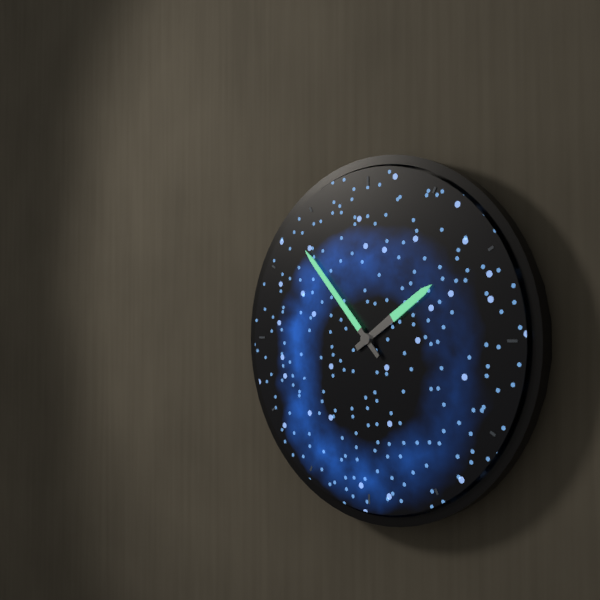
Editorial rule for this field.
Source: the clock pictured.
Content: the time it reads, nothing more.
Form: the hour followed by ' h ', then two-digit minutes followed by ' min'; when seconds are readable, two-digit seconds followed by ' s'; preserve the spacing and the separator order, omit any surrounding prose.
1 h 53 min
